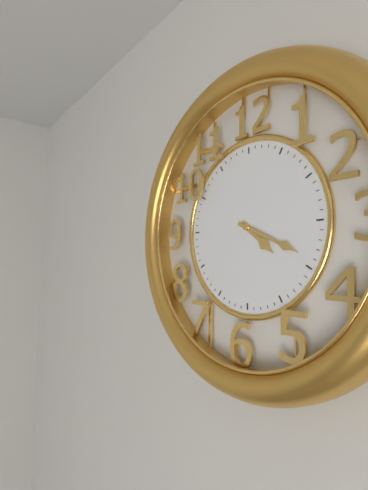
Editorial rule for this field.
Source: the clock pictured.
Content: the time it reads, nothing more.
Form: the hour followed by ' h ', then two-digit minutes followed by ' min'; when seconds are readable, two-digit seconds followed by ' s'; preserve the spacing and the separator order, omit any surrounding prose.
4 h 19 min
